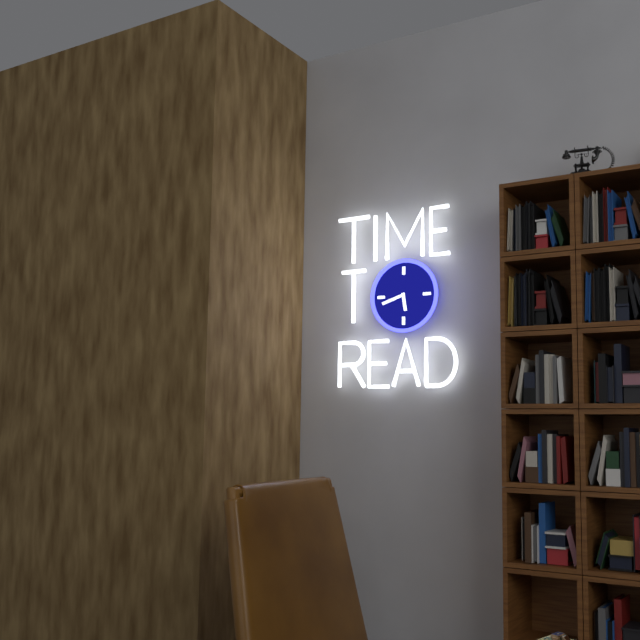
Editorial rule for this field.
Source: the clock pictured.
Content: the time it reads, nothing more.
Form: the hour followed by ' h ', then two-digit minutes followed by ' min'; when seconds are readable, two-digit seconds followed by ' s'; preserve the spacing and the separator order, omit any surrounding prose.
5 h 42 min
